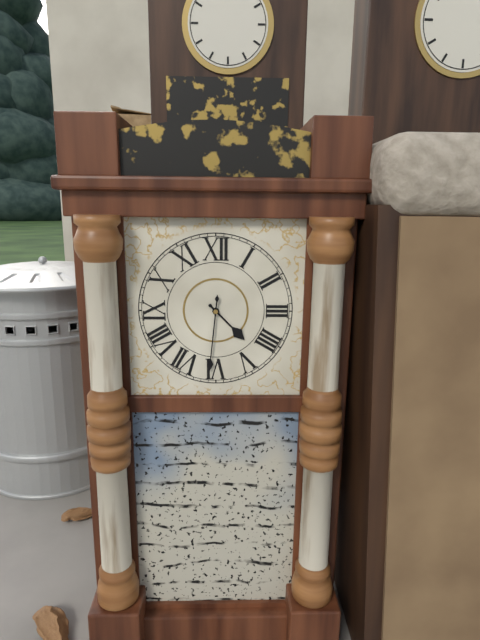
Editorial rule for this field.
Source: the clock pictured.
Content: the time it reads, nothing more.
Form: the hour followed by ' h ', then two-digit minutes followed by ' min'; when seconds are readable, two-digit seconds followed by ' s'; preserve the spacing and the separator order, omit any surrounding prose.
4 h 31 min
